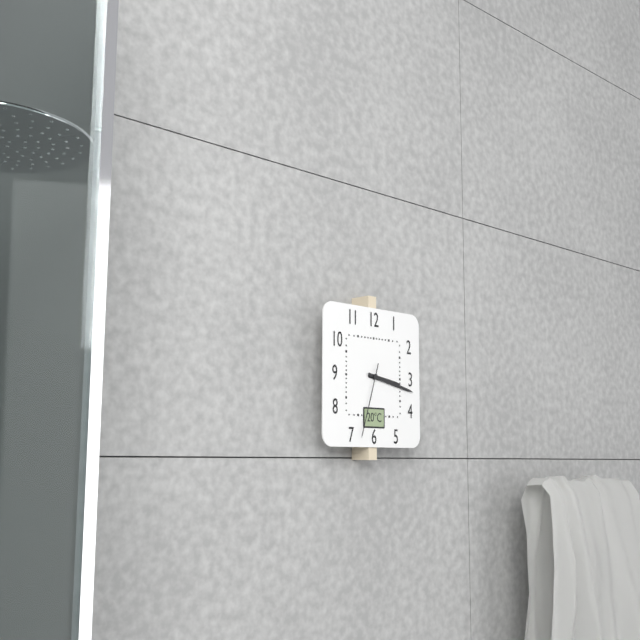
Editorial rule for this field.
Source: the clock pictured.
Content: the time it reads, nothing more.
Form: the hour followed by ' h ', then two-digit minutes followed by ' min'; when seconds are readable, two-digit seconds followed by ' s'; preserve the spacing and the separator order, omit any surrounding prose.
3 h 17 min 33 s
